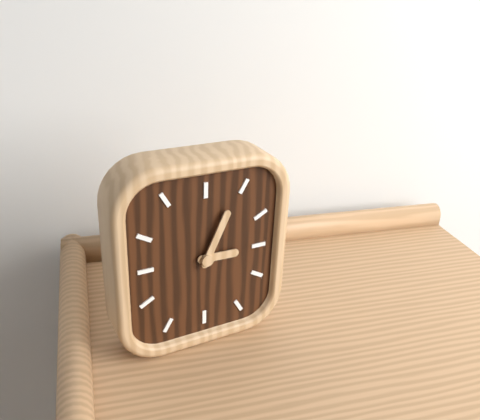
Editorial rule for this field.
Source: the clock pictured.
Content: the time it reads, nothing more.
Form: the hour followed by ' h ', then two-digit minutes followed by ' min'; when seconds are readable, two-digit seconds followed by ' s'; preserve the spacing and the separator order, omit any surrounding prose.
3 h 04 min
